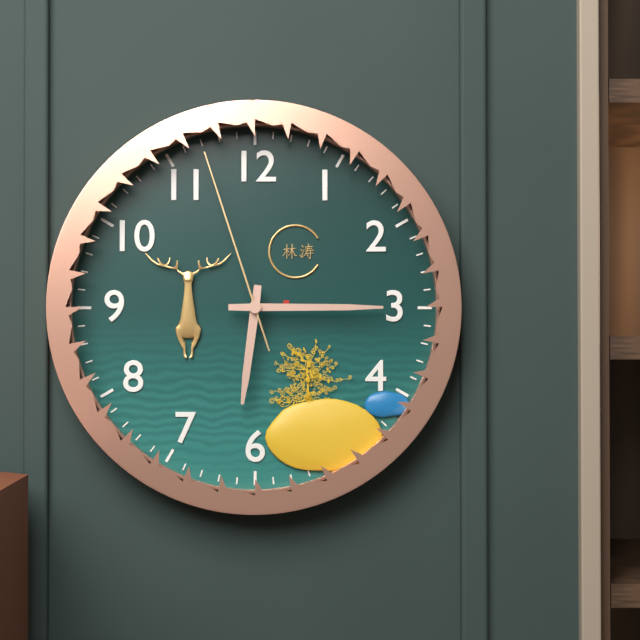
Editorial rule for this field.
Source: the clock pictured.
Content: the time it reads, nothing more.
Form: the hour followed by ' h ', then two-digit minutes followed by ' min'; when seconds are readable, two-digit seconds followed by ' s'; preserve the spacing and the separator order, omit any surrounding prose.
6 h 15 min 57 s
